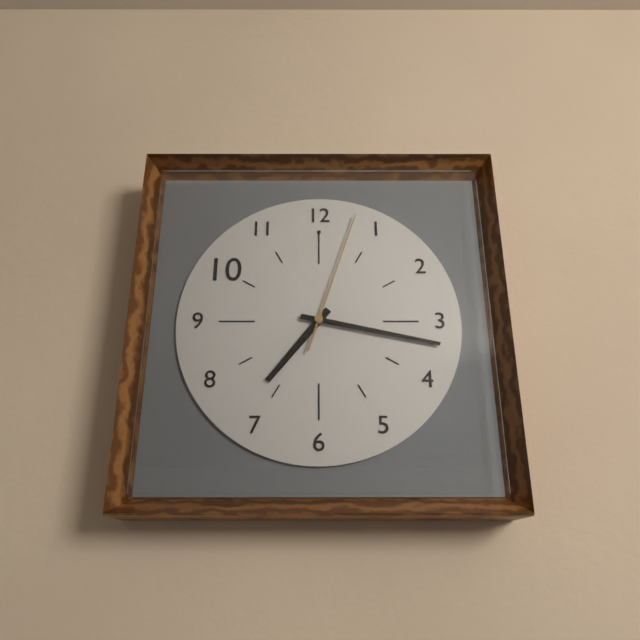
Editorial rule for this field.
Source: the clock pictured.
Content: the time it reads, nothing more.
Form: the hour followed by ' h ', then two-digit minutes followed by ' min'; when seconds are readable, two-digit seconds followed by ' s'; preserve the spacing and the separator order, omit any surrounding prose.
7 h 17 min 03 s
